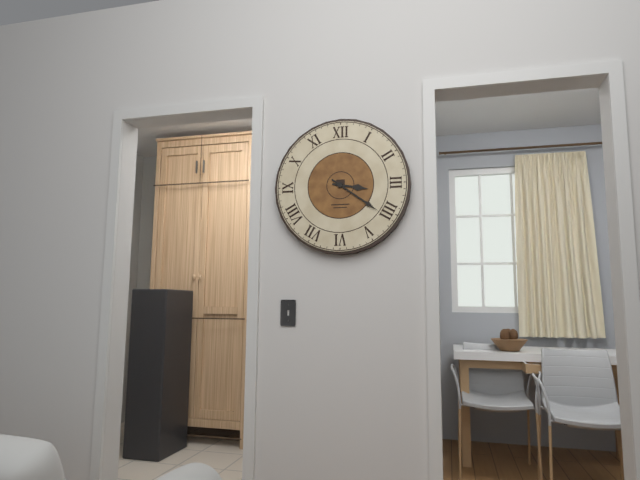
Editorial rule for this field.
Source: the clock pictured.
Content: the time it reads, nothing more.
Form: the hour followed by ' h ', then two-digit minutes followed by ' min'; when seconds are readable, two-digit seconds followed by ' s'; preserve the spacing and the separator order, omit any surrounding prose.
3 h 21 min
